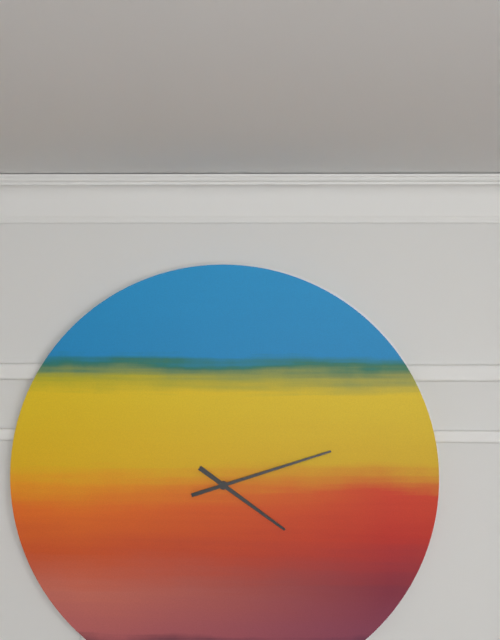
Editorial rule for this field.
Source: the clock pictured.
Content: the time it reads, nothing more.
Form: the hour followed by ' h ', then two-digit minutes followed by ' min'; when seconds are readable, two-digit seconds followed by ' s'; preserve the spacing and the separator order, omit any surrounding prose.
4 h 12 min
